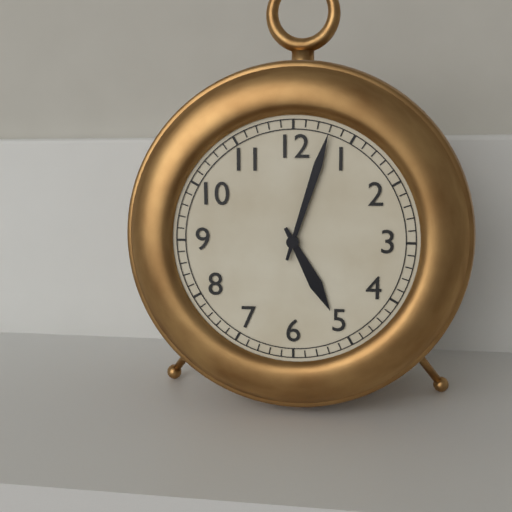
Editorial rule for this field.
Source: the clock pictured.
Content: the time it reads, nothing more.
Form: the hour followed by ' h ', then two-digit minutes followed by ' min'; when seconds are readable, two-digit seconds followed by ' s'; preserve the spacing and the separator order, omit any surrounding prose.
5 h 03 min
